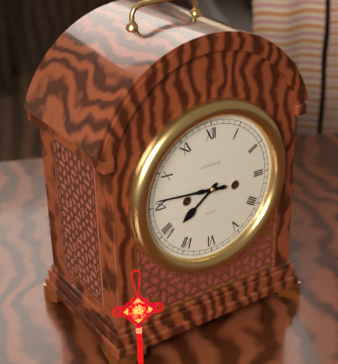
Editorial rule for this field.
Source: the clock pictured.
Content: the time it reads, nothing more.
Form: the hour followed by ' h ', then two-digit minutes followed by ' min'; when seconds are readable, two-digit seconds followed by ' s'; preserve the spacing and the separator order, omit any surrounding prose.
7 h 46 min
